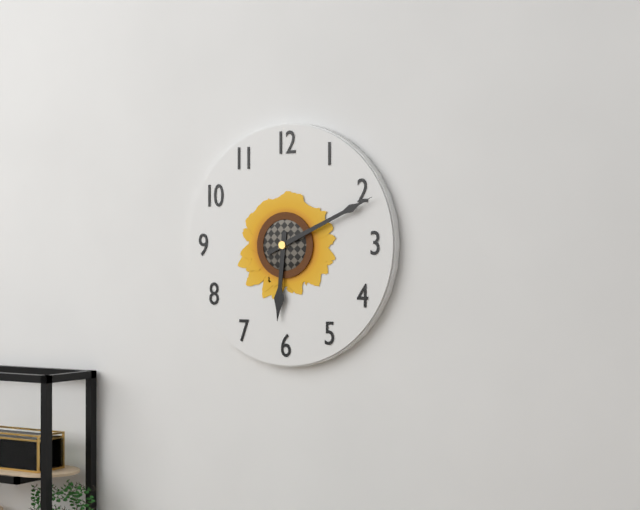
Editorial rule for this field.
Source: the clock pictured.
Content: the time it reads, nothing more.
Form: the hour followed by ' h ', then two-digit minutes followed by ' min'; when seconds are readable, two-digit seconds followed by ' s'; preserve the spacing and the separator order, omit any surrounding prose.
6 h 11 min
